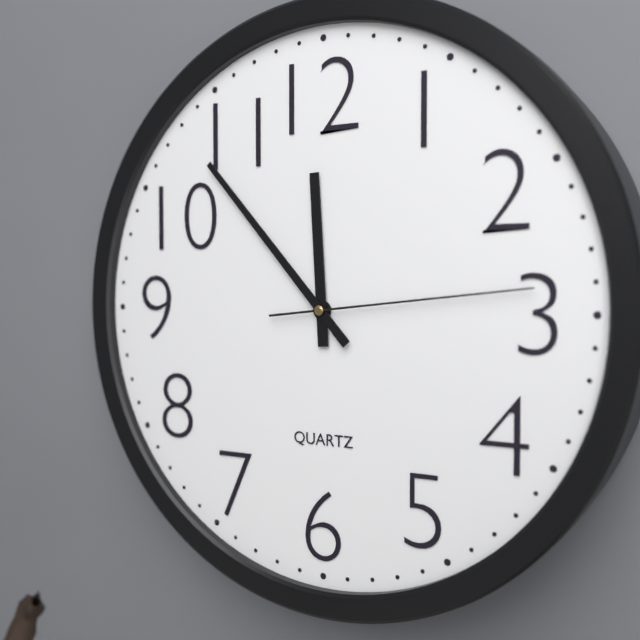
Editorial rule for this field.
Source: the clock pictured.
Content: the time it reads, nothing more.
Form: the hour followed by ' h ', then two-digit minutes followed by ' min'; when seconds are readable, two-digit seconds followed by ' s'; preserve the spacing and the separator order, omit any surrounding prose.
11 h 53 min 14 s
